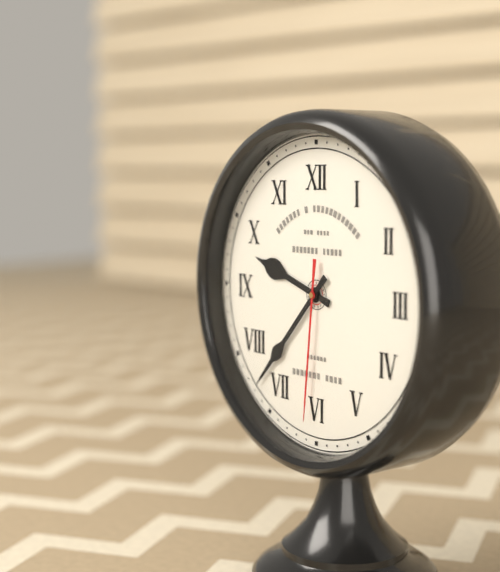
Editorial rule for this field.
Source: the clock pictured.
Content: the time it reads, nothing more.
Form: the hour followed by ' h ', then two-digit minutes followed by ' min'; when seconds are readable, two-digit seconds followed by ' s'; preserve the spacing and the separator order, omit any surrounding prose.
9 h 37 min 31 s
